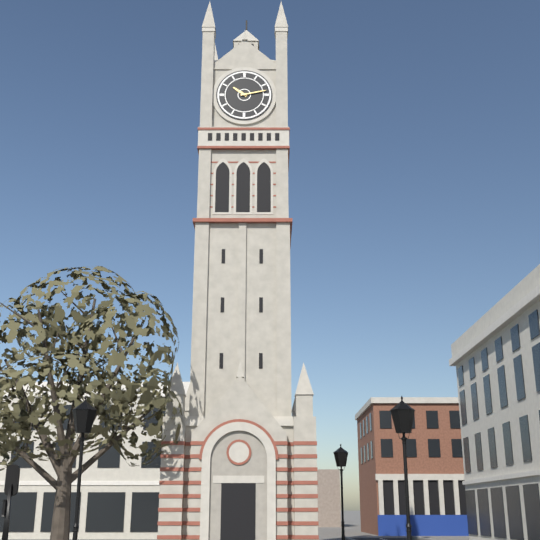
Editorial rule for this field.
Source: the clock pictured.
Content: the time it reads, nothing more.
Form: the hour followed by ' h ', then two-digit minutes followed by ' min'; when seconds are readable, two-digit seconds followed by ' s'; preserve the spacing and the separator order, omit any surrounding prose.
10 h 13 min
